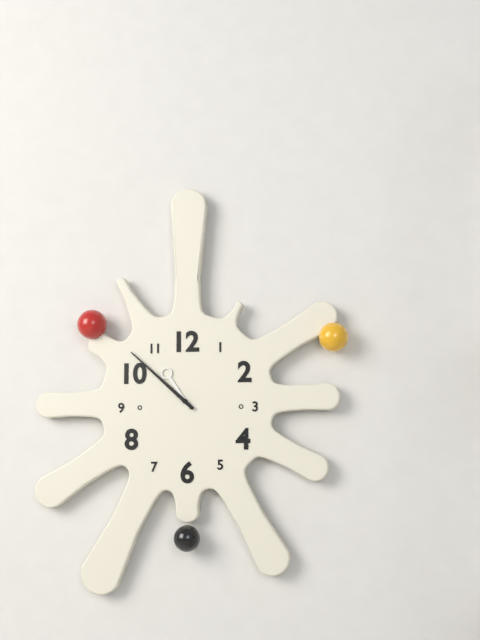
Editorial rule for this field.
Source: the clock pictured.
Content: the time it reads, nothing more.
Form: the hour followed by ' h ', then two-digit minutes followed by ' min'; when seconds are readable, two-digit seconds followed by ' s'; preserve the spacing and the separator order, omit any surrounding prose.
10 h 52 min
